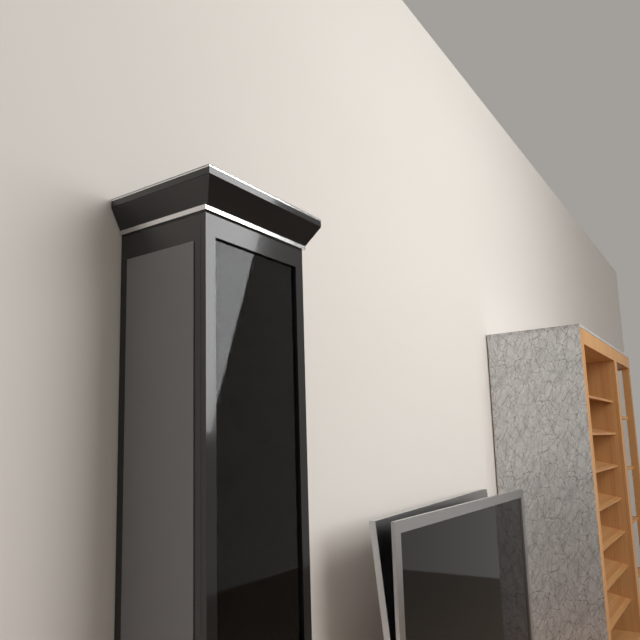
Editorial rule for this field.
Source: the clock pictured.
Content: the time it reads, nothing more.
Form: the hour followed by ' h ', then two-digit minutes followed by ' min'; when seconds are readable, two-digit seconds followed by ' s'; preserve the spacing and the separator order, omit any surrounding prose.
10 h 19 min
